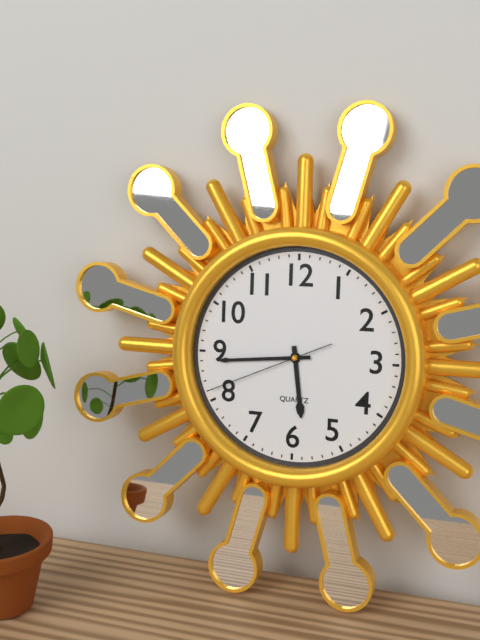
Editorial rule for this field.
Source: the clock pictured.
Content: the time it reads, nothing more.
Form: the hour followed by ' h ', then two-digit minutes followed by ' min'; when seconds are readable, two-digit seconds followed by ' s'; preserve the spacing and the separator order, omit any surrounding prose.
5 h 44 min 41 s
